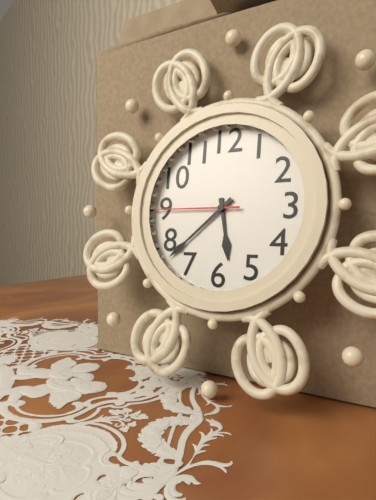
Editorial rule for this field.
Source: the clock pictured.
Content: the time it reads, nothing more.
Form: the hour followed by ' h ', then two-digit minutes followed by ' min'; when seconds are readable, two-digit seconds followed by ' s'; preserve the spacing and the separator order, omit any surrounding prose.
5 h 38 min 45 s
